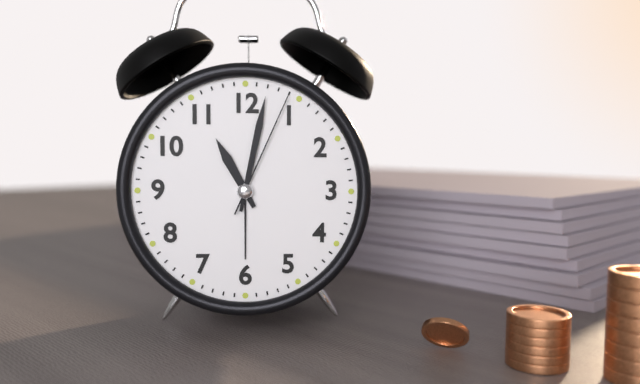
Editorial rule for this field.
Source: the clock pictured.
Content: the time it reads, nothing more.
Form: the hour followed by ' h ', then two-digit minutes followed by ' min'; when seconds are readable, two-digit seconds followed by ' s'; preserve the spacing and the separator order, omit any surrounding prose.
11 h 02 min 04 s
